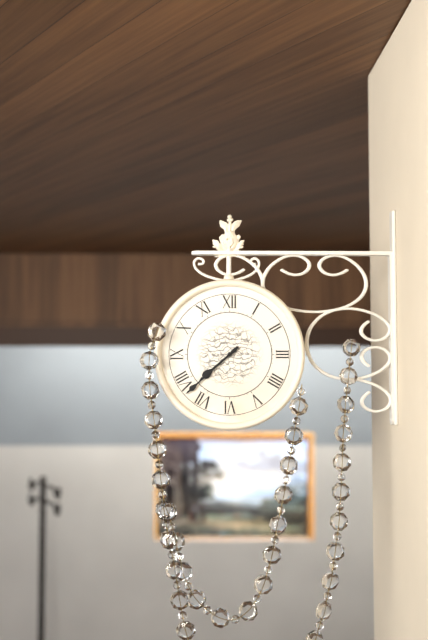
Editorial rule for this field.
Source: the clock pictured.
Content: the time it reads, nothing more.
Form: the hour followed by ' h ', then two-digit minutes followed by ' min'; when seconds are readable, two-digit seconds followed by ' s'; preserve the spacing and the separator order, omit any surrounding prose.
7 h 38 min
